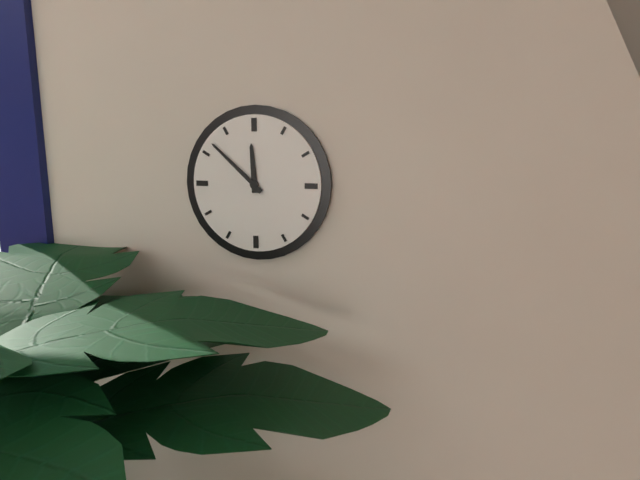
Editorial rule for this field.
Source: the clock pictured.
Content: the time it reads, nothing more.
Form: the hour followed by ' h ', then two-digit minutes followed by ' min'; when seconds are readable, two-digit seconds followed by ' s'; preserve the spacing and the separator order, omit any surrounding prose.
11 h 52 min
